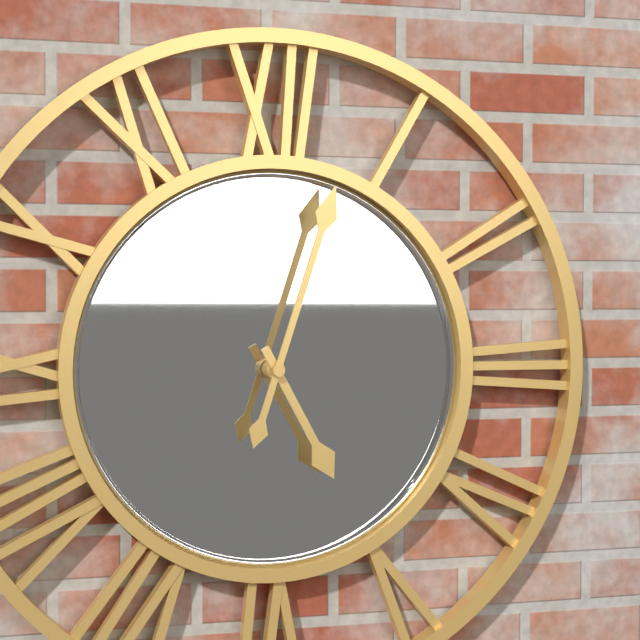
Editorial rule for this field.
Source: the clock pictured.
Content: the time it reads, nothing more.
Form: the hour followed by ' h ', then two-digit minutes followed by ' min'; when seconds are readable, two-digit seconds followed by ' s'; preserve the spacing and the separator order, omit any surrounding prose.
5 h 03 min
